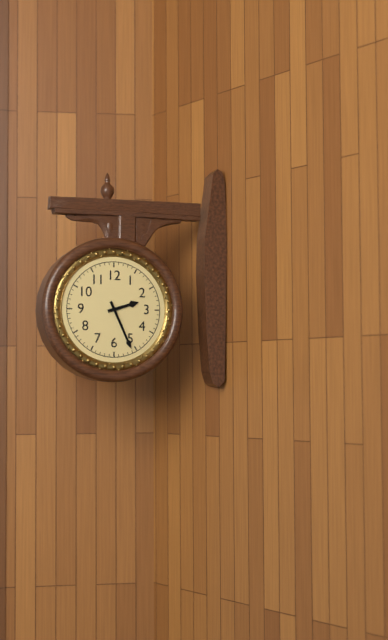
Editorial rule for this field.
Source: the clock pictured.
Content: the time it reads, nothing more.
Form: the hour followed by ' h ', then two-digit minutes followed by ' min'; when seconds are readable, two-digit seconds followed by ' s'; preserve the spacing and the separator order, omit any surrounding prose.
2 h 26 min
